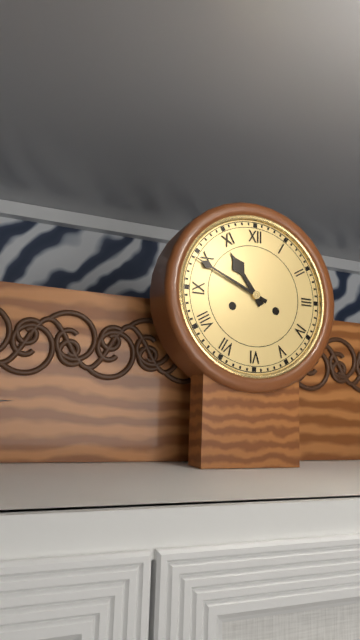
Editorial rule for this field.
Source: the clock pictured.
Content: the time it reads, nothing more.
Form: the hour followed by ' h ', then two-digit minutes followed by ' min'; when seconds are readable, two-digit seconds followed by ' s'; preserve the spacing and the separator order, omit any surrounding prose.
10 h 49 min
